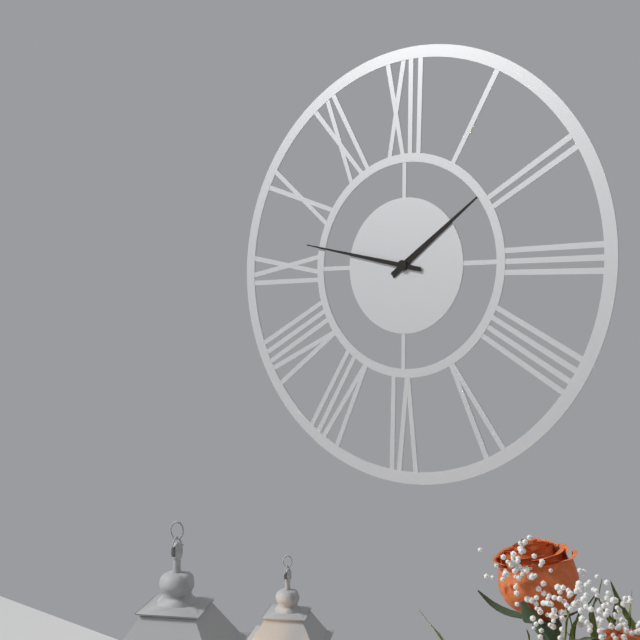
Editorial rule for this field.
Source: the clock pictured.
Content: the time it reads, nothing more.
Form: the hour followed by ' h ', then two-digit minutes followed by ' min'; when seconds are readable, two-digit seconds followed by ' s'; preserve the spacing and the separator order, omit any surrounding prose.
1 h 47 min
